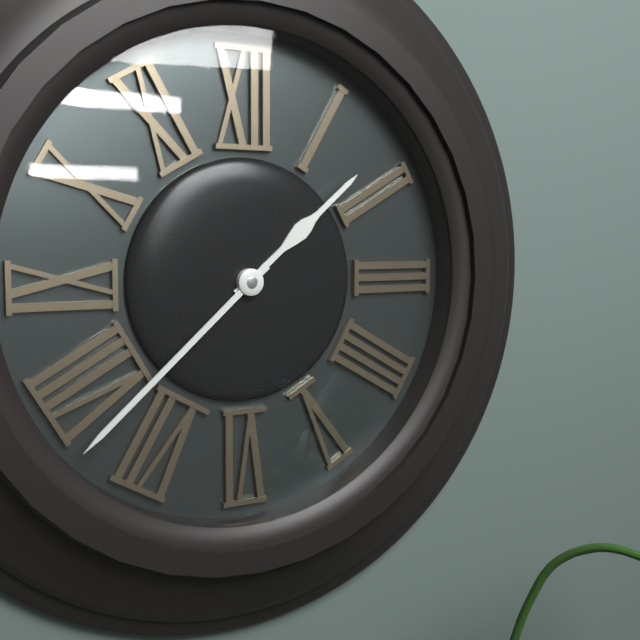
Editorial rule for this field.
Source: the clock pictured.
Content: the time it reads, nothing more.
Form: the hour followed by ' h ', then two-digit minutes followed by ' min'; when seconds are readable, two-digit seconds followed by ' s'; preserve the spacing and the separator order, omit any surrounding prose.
1 h 38 min
